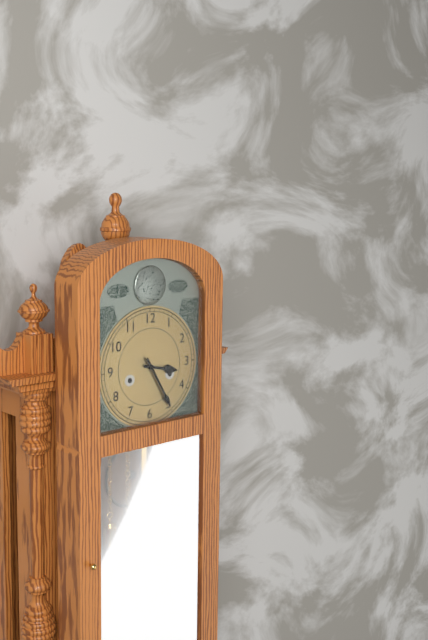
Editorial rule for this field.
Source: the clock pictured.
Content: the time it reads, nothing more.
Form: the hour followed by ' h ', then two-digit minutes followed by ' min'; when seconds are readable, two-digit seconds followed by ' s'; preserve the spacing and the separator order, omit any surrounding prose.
3 h 25 min
